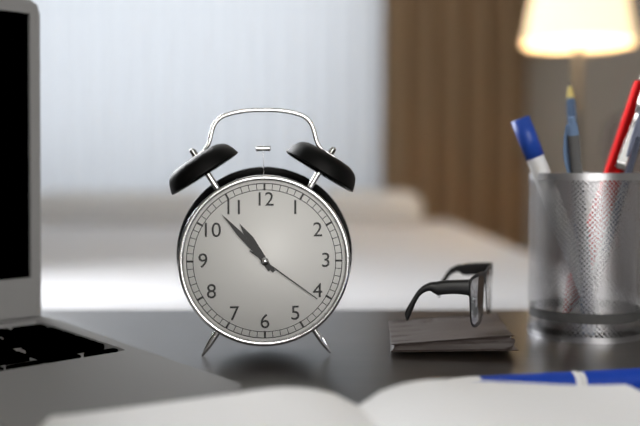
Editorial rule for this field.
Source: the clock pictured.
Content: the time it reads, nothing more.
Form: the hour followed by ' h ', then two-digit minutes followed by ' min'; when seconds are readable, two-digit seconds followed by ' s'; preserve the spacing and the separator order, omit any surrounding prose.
10 h 53 min 21 s
